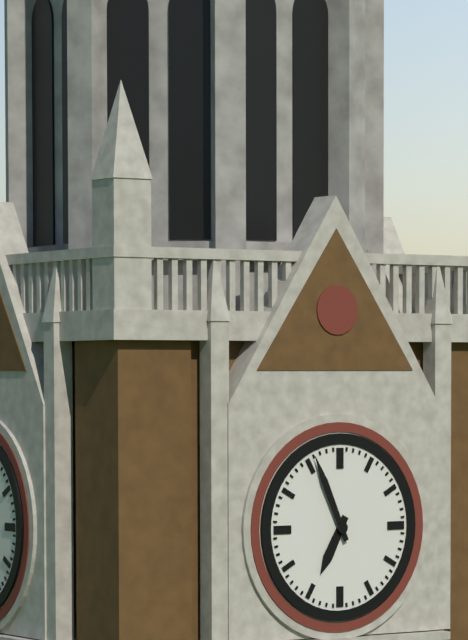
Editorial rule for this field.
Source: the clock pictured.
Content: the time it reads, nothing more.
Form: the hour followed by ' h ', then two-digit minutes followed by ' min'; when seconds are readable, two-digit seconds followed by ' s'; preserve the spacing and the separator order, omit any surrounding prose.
6 h 56 min
